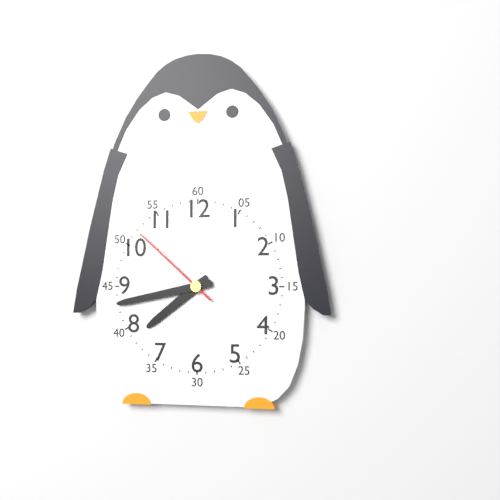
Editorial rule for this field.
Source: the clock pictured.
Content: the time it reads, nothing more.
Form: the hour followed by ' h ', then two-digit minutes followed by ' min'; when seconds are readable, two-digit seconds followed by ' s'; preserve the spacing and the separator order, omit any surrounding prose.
7 h 43 min 52 s
